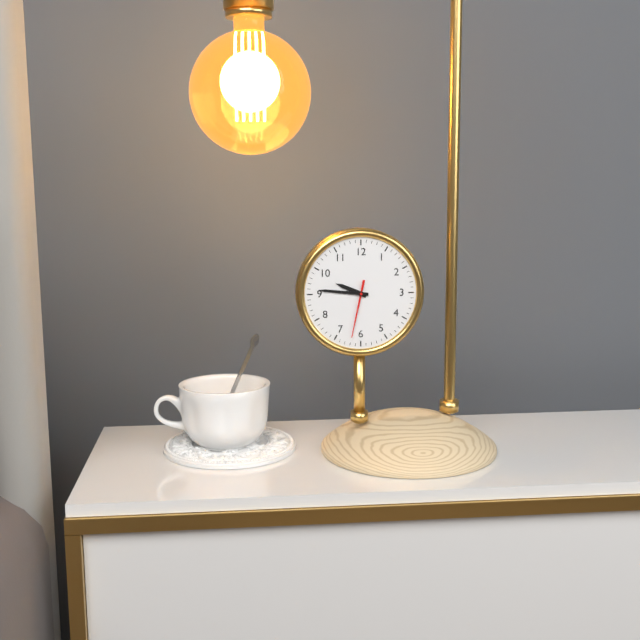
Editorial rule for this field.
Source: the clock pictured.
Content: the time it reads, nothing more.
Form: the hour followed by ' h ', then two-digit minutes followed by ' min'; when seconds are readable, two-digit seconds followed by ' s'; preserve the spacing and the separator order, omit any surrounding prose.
9 h 46 min 32 s
